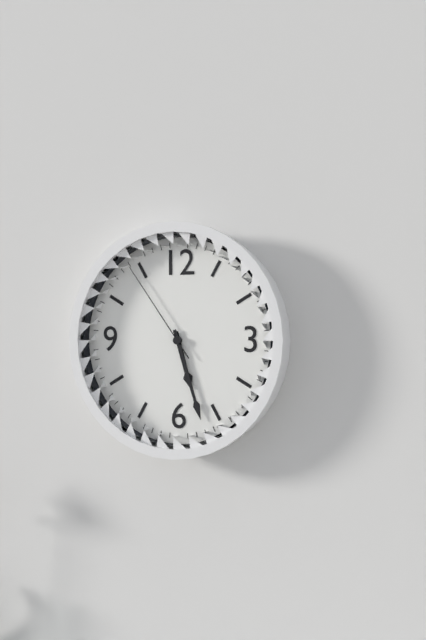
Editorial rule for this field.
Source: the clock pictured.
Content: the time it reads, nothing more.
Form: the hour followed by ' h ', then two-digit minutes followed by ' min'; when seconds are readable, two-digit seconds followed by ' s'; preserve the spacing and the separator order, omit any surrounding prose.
5 h 27 min 54 s
